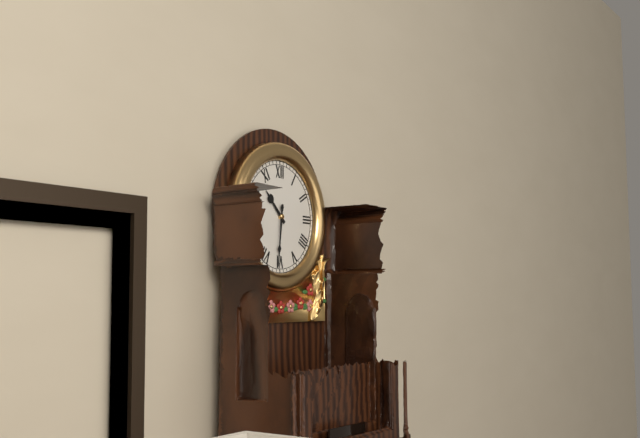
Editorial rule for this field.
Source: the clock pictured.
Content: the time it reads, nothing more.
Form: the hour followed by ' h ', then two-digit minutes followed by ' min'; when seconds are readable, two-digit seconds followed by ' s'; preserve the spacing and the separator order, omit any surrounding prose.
10 h 31 min
